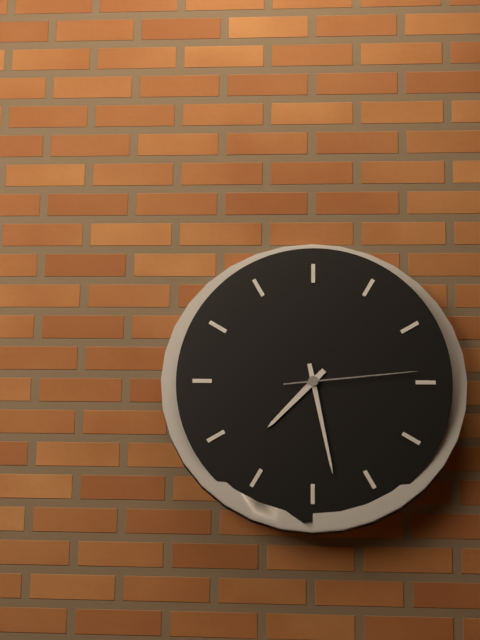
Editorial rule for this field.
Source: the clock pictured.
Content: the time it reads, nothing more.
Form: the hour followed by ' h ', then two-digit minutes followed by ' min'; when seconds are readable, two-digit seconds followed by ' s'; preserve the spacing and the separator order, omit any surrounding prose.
7 h 28 min 14 s
